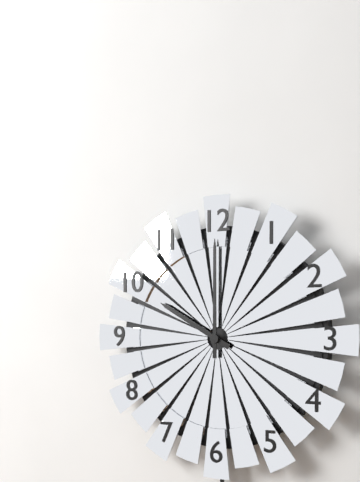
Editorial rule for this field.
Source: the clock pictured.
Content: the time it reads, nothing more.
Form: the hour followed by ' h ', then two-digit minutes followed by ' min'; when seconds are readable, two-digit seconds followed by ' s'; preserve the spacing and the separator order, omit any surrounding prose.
10 h 00 min
